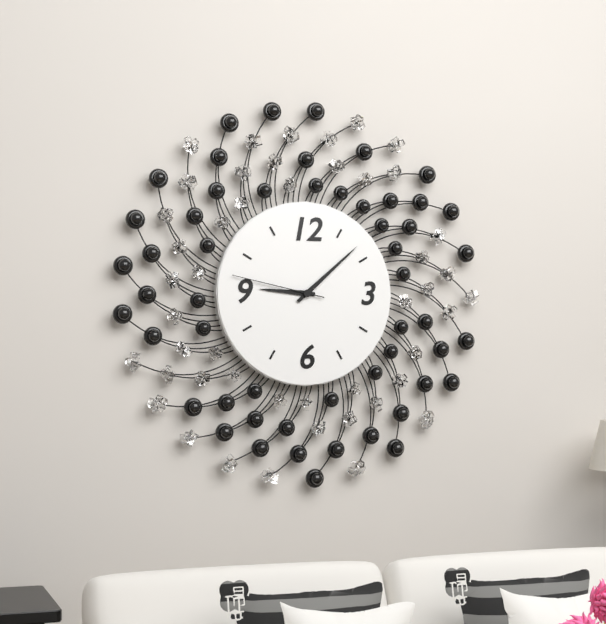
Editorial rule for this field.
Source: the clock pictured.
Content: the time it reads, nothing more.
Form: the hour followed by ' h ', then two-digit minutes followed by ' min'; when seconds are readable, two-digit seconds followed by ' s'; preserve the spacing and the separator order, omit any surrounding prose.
9 h 08 min 47 s
